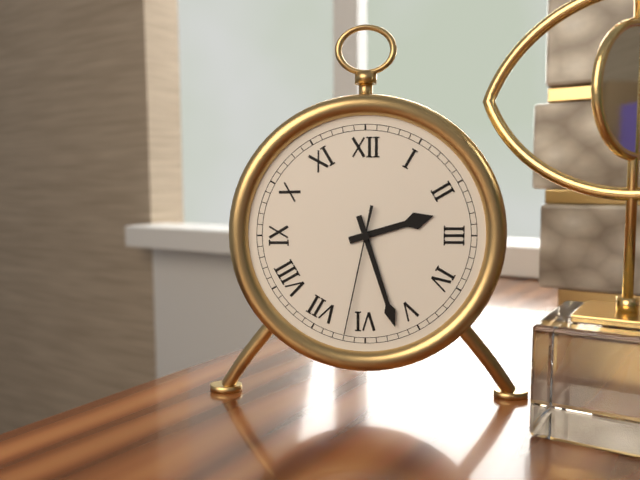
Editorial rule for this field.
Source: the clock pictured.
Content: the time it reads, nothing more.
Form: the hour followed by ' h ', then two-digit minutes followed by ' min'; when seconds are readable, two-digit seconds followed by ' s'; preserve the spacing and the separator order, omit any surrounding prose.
2 h 27 min 32 s
